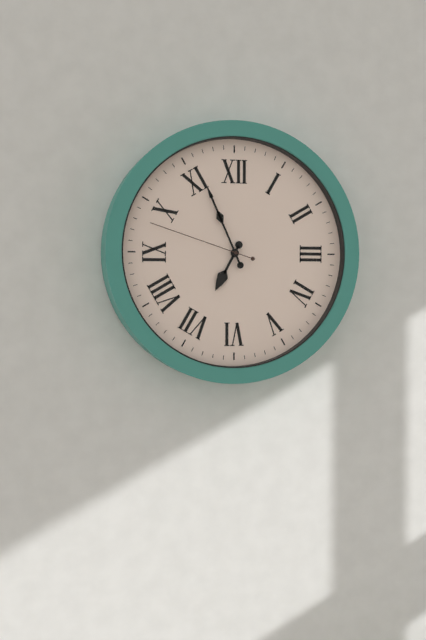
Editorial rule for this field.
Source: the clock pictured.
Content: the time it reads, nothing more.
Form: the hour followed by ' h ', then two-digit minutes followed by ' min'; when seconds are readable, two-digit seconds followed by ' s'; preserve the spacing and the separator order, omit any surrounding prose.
6 h 56 min 48 s
